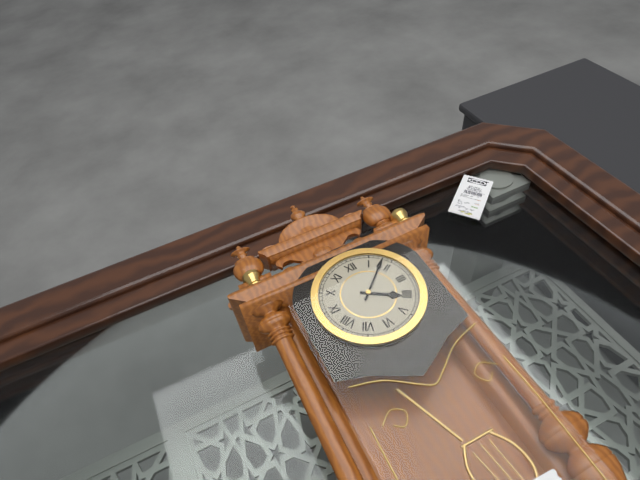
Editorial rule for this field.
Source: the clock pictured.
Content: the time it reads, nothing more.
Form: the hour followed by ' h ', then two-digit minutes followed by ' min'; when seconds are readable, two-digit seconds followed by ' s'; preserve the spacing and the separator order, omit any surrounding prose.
4 h 08 min
